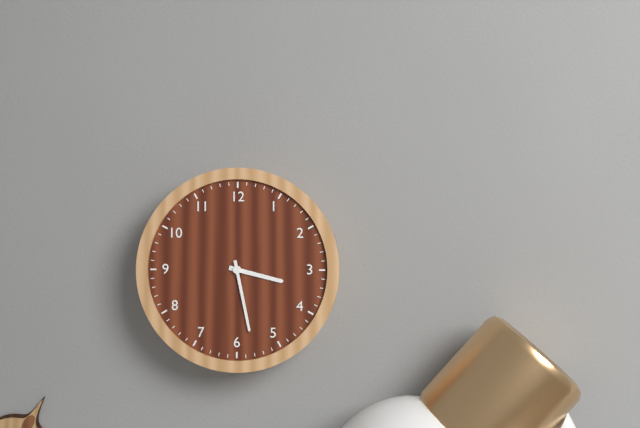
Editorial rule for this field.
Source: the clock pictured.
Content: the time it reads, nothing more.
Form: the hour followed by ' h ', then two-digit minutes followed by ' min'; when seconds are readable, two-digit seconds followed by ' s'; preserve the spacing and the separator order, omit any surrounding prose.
3 h 28 min
